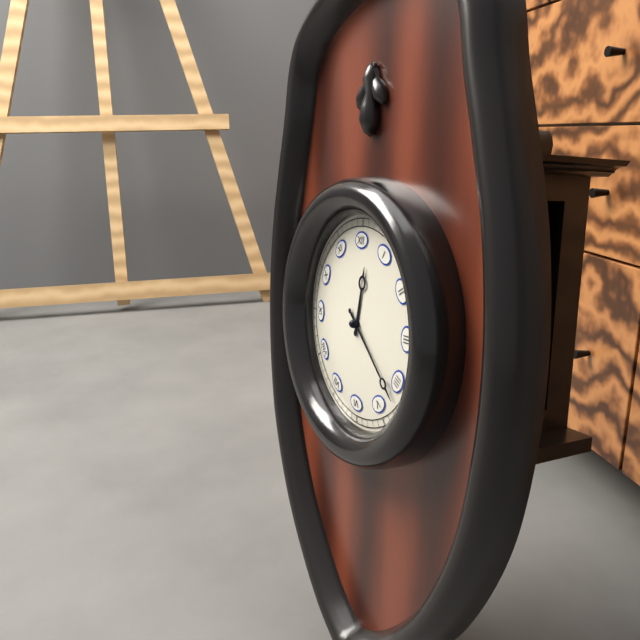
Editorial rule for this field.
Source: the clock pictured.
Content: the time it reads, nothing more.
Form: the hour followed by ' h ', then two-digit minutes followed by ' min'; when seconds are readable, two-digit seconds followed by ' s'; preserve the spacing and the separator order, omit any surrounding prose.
12 h 22 min
